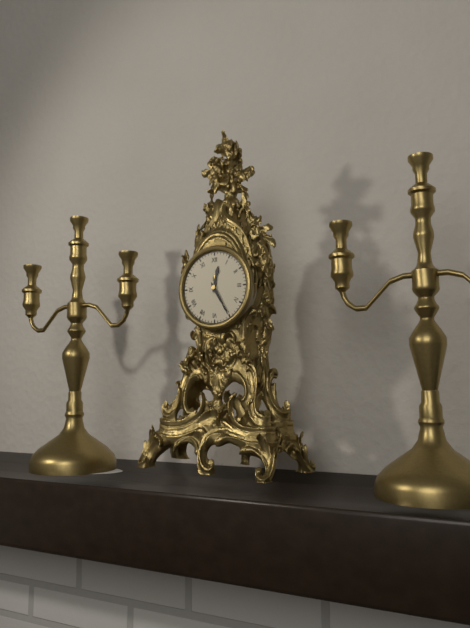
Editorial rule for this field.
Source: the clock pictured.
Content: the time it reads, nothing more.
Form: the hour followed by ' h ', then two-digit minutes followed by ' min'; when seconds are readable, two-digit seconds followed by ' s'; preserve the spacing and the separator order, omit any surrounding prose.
12 h 25 min
